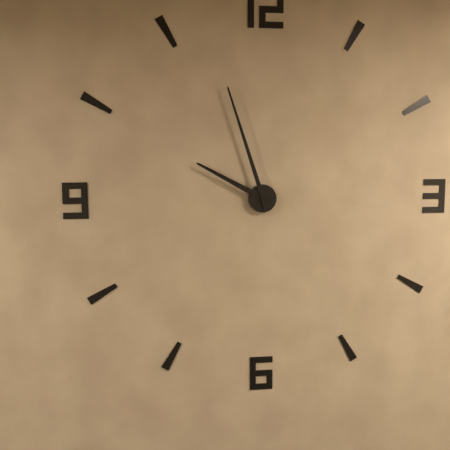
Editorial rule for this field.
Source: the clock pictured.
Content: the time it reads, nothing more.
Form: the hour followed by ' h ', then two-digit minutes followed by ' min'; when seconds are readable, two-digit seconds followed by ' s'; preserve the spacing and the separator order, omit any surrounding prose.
9 h 57 min
